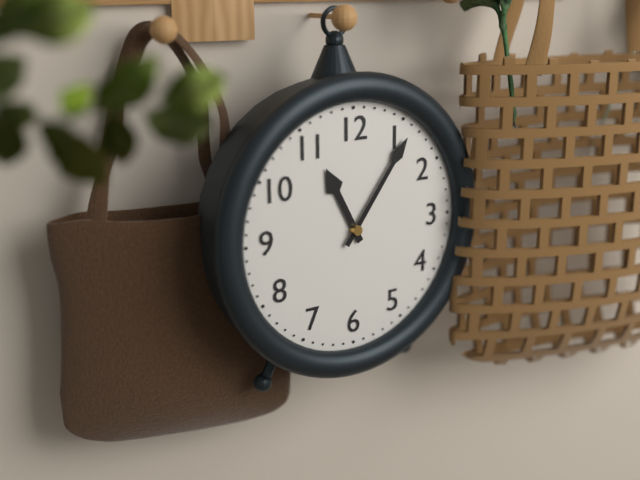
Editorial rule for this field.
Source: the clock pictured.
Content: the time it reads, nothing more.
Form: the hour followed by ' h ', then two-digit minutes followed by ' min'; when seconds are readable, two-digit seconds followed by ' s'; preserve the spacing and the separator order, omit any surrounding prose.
11 h 06 min
